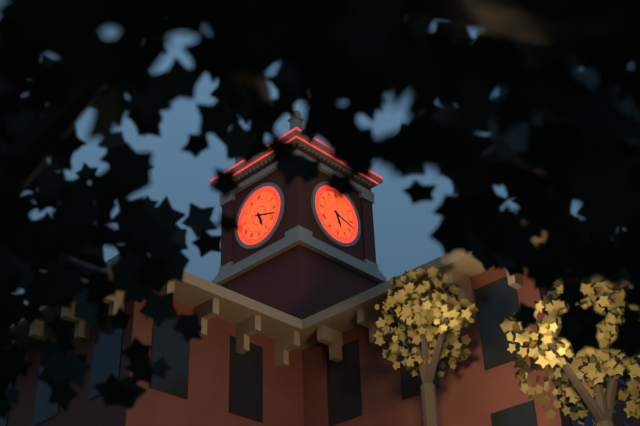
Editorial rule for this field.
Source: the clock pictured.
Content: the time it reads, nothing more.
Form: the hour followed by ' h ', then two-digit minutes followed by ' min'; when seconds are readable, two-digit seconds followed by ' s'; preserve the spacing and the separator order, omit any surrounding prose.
5 h 18 min
